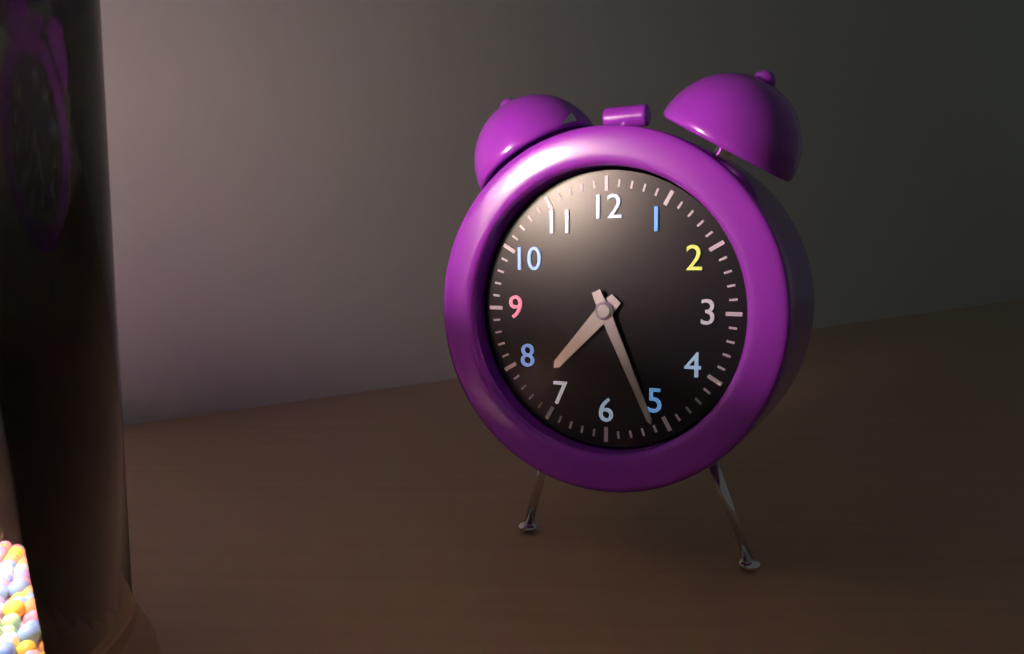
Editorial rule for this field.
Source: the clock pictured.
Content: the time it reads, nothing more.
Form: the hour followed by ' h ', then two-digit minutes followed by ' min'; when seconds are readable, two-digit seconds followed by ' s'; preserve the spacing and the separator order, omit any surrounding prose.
7 h 26 min
